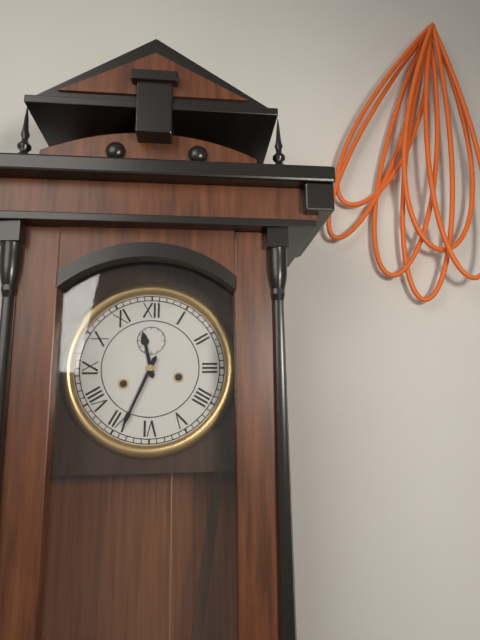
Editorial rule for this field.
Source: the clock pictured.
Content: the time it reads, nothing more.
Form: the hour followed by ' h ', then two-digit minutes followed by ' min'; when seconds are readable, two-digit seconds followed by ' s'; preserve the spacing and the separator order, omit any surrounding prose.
11 h 34 min
